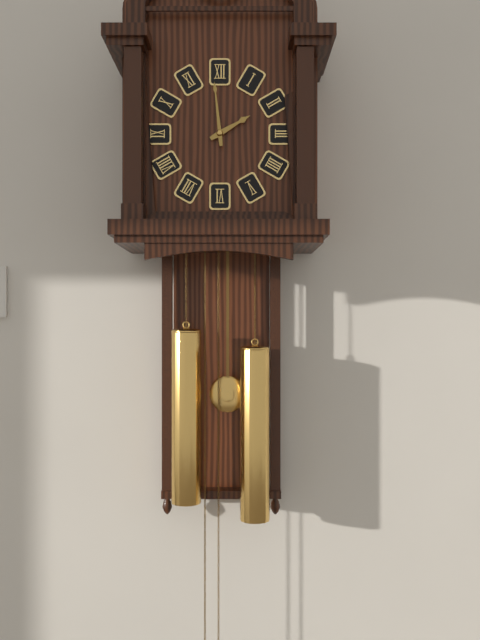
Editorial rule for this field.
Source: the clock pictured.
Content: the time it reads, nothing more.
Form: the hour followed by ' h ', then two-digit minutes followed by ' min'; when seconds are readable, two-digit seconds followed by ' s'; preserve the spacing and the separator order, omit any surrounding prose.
1 h 59 min
